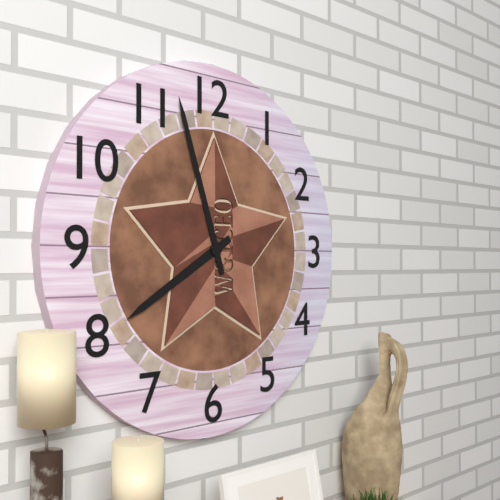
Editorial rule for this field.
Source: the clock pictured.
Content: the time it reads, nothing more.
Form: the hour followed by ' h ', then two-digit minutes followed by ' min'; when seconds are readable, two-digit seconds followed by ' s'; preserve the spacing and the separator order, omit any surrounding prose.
7 h 57 min
